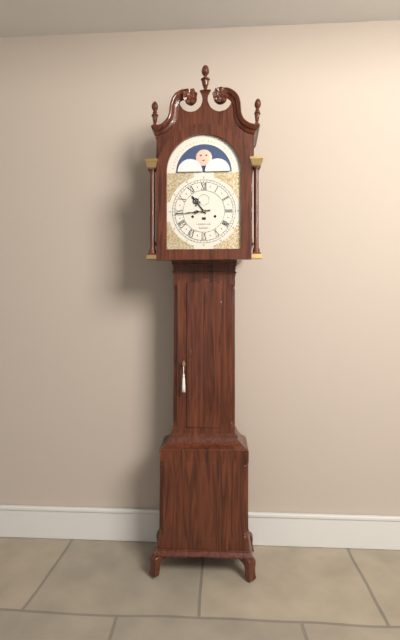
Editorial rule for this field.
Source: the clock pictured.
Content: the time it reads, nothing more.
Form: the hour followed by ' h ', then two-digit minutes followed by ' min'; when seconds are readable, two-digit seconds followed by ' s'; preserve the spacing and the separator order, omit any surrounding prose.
10 h 44 min
